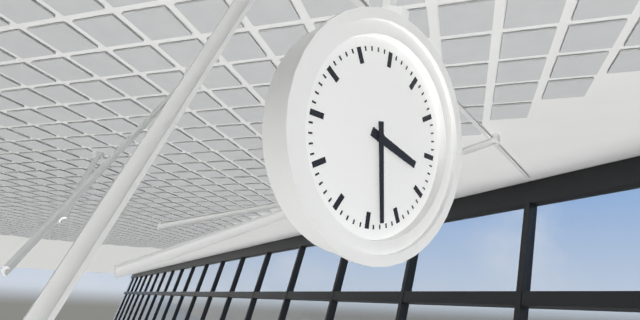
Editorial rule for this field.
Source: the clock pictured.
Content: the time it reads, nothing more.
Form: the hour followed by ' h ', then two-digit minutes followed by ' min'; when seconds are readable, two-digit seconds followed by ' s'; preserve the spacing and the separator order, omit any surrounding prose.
3 h 28 min
